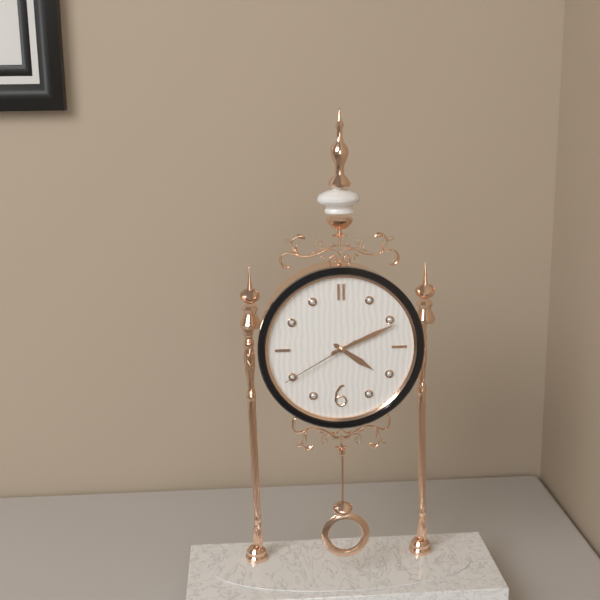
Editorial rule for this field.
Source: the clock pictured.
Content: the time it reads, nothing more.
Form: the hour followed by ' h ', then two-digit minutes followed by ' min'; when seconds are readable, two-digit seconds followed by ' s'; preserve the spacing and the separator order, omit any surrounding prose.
4 h 11 min 40 s
